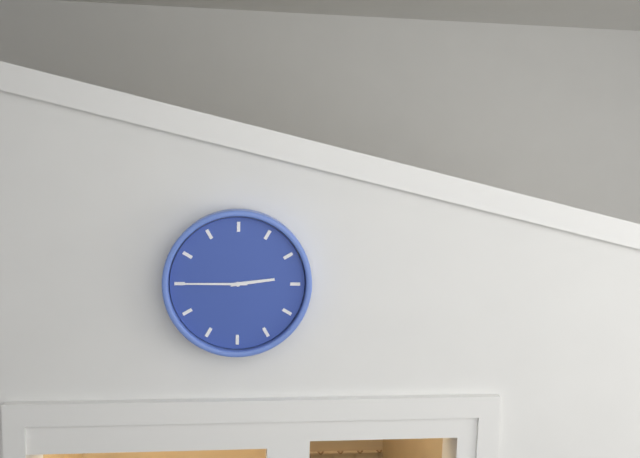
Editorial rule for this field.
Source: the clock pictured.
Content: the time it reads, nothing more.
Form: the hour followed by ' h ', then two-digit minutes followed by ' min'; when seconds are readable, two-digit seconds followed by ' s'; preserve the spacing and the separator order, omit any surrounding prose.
2 h 45 min
